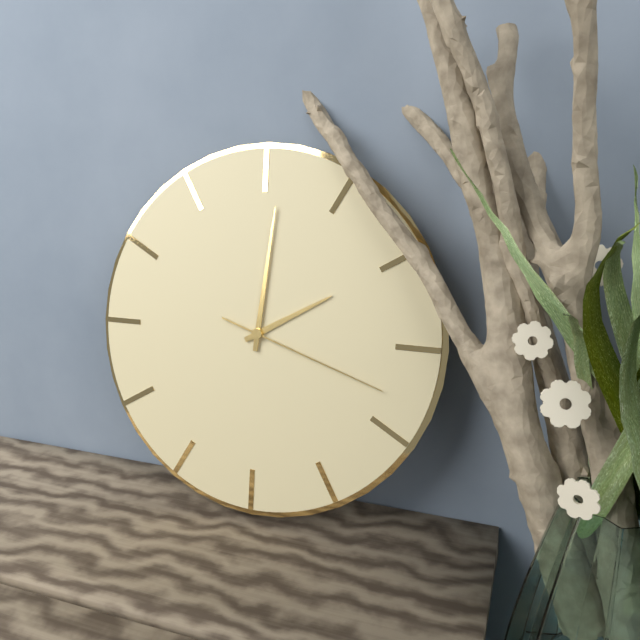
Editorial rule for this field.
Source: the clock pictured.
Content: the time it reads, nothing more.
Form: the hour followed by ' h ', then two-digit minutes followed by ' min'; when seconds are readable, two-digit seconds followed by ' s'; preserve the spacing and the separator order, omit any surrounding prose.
2 h 01 min 18 s
